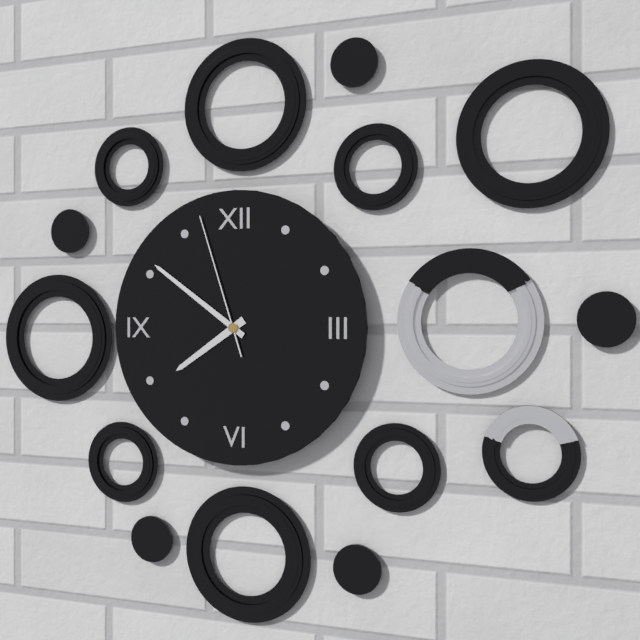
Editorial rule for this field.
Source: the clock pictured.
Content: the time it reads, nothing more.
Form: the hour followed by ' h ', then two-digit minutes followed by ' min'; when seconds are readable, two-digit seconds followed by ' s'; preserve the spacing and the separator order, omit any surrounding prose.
7 h 51 min 57 s
